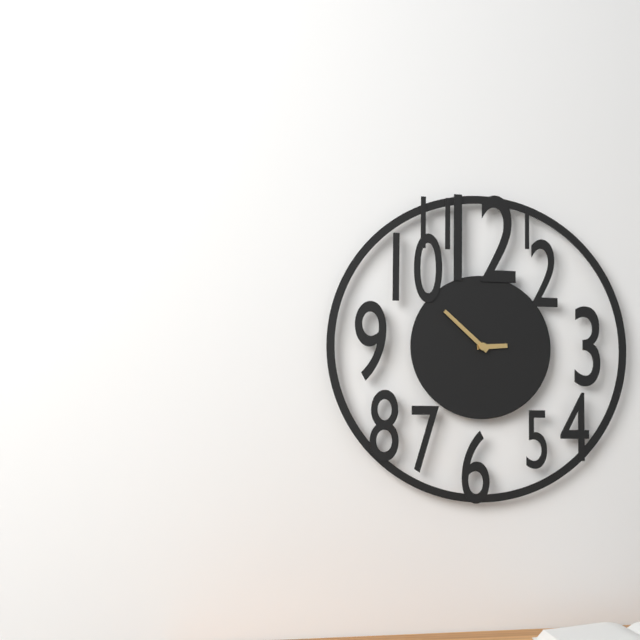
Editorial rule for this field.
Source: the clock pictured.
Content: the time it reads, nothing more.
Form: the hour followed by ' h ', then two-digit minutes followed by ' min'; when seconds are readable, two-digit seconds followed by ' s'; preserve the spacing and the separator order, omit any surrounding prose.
2 h 52 min
